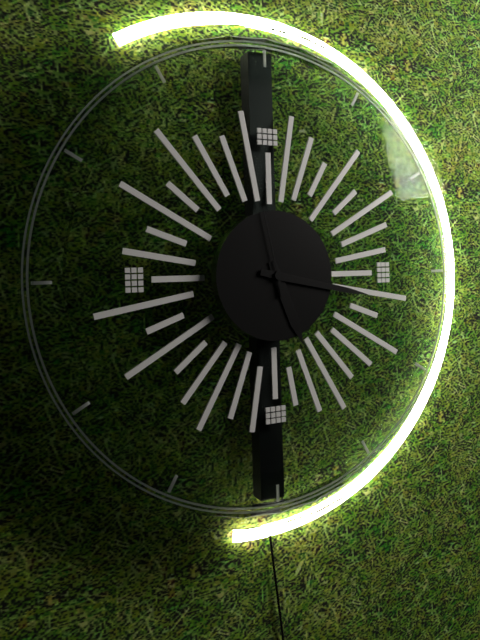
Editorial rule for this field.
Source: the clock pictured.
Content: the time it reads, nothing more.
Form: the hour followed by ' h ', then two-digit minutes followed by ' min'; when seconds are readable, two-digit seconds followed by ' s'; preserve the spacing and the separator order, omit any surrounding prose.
5 h 17 min 58 s
